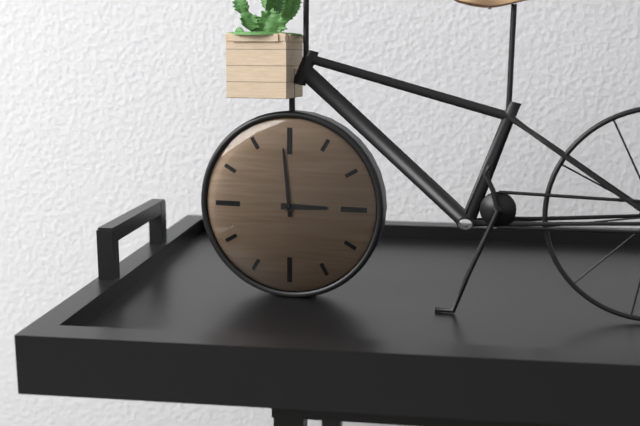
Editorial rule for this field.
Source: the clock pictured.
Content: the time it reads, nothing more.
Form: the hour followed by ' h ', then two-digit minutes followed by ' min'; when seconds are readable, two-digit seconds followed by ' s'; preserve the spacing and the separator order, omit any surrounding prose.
2 h 59 min
